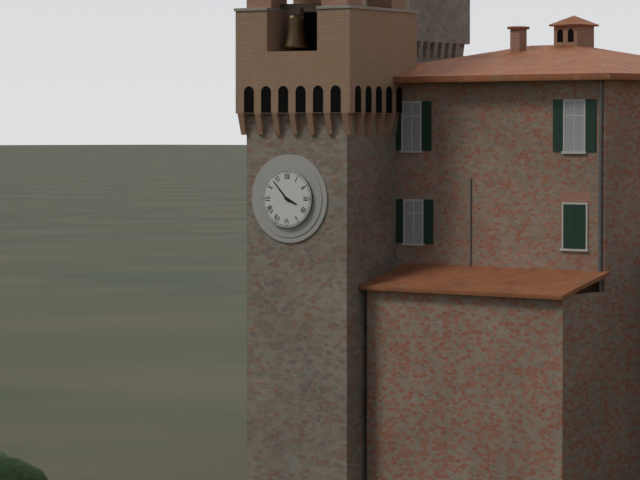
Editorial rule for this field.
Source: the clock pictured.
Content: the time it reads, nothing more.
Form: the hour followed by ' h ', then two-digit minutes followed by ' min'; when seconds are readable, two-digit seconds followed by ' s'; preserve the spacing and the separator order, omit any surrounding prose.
3 h 53 min
